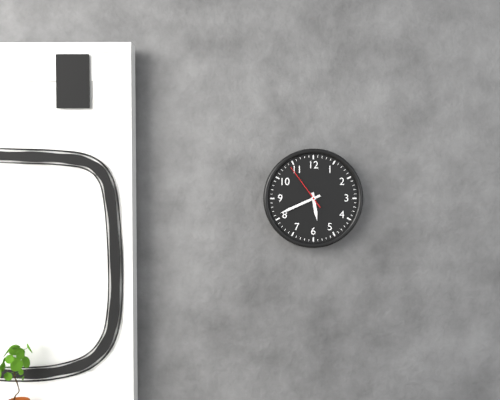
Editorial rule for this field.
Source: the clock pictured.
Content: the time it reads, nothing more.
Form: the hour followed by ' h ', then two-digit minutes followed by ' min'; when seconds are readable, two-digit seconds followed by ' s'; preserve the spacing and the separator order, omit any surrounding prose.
5 h 41 min
